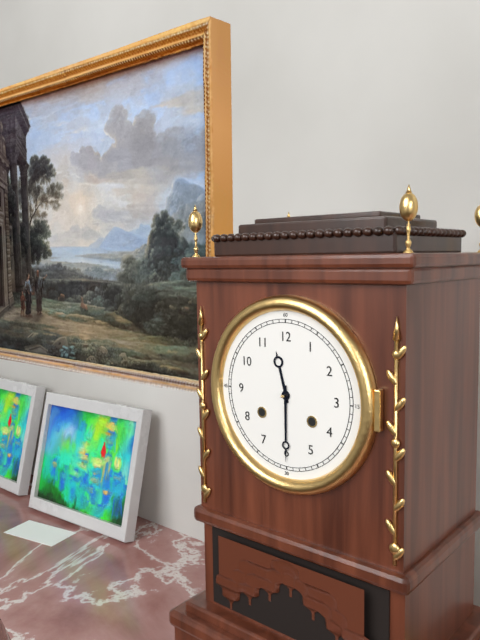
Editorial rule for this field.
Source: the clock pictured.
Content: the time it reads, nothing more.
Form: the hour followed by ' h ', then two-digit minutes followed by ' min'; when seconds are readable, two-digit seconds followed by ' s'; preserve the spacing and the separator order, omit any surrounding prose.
11 h 30 min
